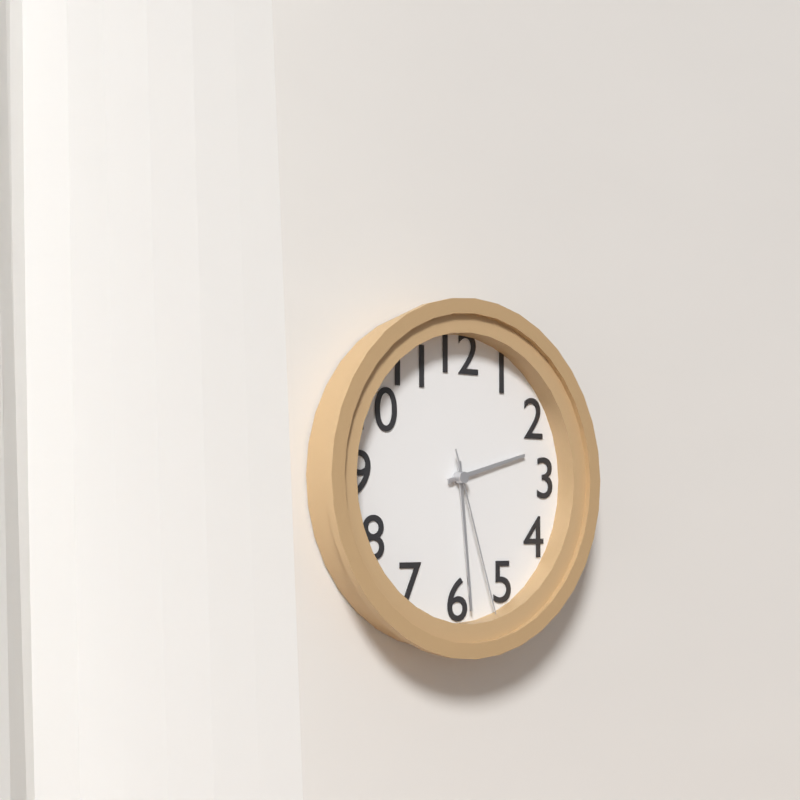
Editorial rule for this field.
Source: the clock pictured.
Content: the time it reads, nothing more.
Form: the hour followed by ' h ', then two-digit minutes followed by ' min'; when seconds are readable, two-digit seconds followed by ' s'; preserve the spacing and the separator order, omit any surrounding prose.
2 h 29 min 27 s
